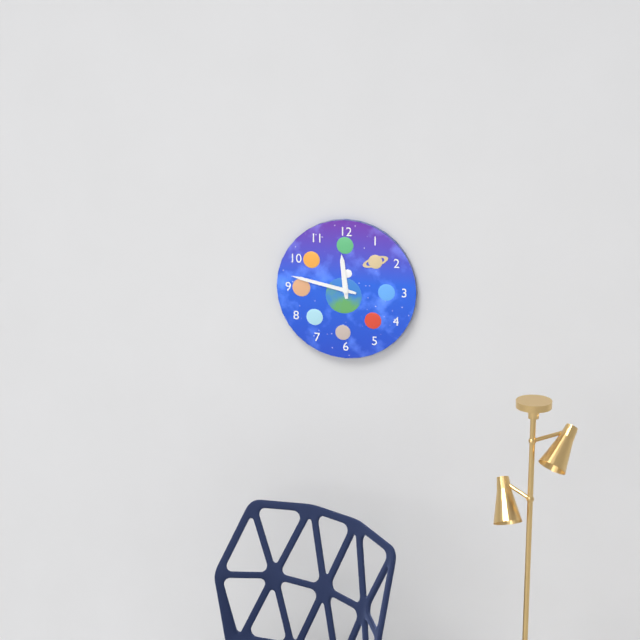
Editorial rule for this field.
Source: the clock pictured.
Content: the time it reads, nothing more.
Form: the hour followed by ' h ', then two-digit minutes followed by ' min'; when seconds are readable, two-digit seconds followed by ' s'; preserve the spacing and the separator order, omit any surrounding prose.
11 h 47 min
